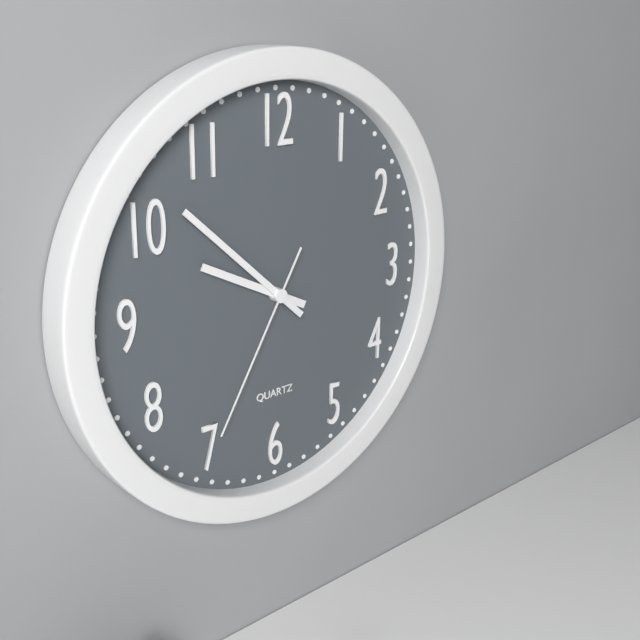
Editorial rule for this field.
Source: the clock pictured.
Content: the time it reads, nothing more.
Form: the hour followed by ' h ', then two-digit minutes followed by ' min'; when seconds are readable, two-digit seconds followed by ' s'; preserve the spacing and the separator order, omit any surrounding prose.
9 h 52 min 35 s
